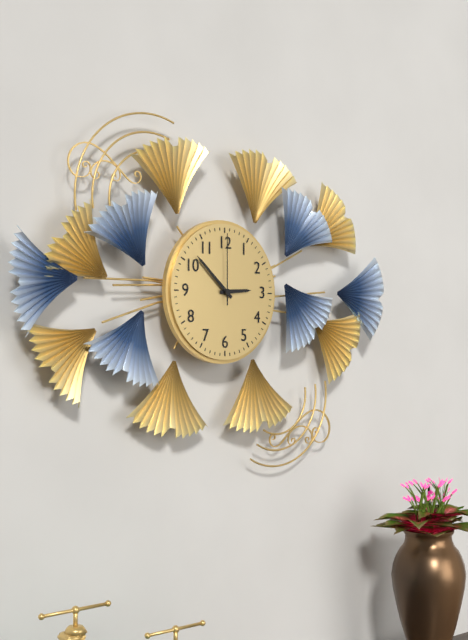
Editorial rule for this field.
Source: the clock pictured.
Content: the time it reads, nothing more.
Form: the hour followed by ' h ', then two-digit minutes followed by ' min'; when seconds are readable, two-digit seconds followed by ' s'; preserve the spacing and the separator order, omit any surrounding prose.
2 h 52 min 00 s
